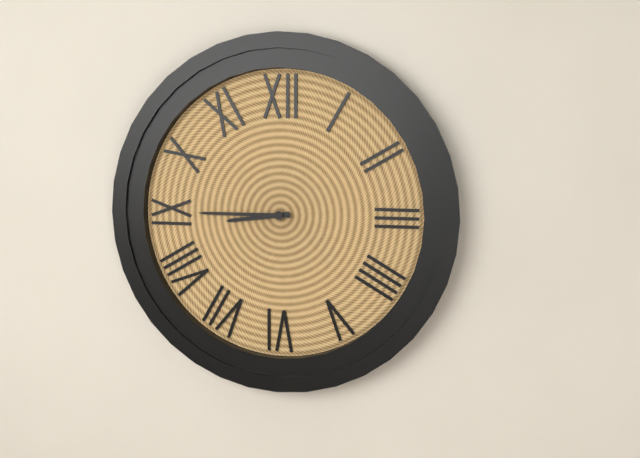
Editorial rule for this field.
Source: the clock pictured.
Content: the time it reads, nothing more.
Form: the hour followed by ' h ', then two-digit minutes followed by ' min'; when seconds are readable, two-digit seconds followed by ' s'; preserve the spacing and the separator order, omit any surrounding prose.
8 h 45 min
